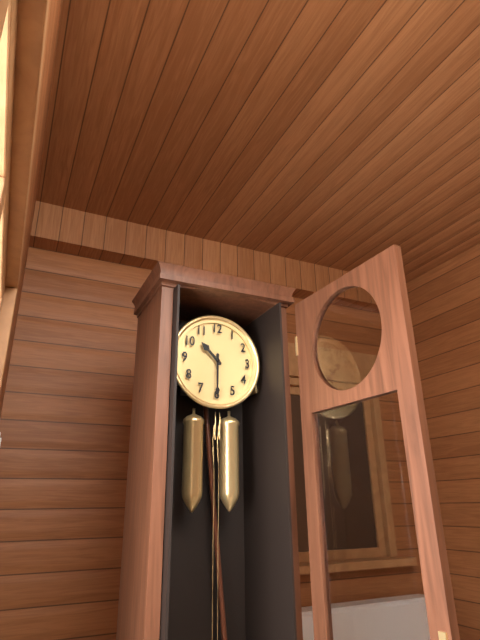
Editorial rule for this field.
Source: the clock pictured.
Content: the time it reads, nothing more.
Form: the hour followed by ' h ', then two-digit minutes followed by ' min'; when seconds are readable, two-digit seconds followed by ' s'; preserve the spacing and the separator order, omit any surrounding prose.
10 h 30 min
